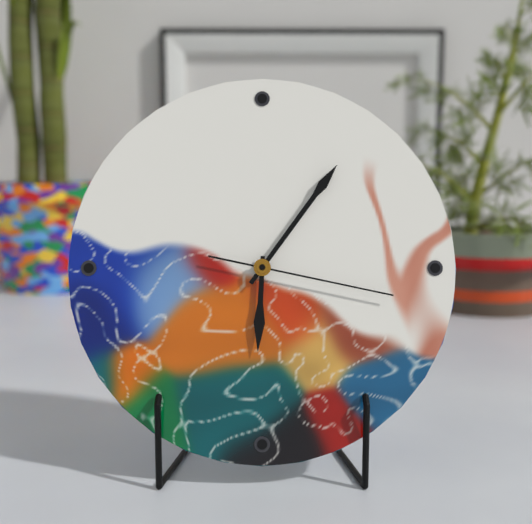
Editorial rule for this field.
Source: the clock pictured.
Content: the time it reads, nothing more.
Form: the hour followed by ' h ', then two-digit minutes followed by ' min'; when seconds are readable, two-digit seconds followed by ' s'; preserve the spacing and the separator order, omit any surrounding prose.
6 h 06 min 17 s
